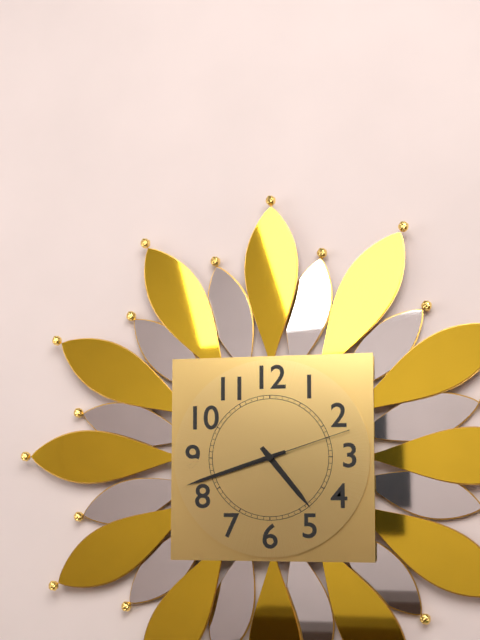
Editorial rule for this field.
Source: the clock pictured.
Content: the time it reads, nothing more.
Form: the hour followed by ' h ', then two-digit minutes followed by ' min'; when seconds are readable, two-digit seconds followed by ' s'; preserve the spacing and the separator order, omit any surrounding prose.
4 h 42 min 12 s
